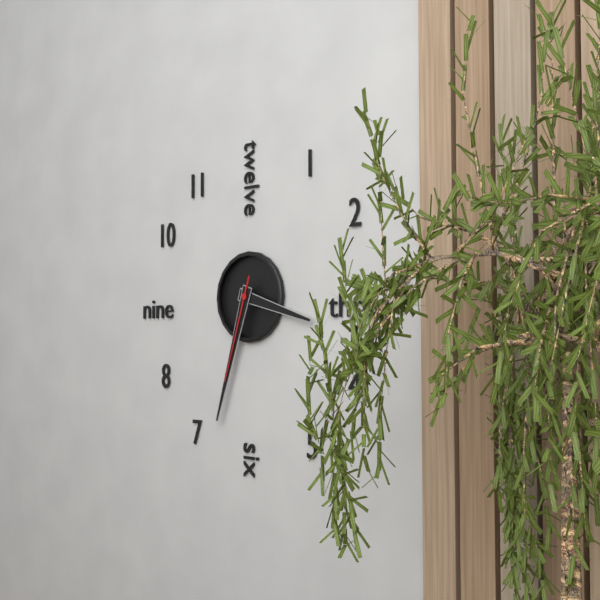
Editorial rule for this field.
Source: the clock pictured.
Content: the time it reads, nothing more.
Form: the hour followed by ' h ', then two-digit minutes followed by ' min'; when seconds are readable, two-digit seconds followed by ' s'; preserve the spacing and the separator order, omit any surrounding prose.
3 h 33 min 33 s
